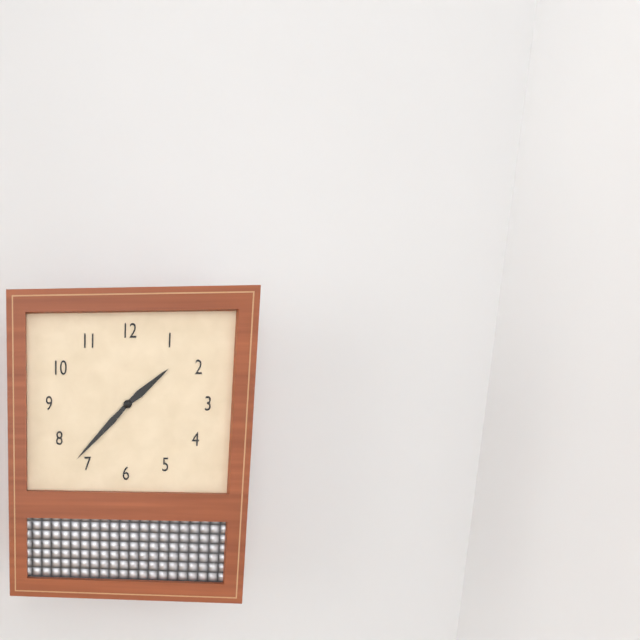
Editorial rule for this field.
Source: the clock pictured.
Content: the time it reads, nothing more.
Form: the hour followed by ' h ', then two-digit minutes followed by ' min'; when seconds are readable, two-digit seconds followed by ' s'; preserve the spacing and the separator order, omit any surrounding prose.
1 h 37 min
